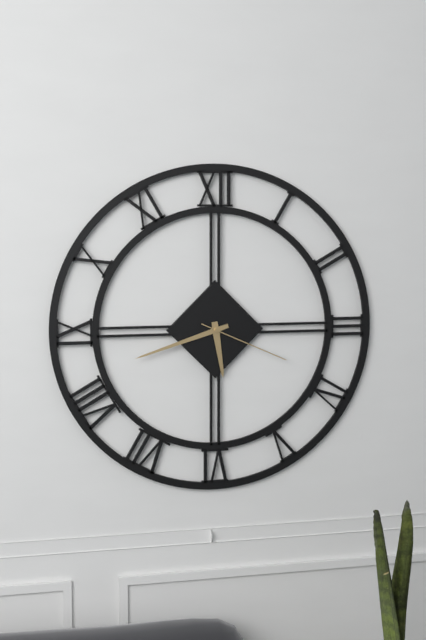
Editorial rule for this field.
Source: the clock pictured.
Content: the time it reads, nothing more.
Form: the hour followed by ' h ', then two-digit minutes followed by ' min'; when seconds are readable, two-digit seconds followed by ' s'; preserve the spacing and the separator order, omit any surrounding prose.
5 h 42 min 19 s
